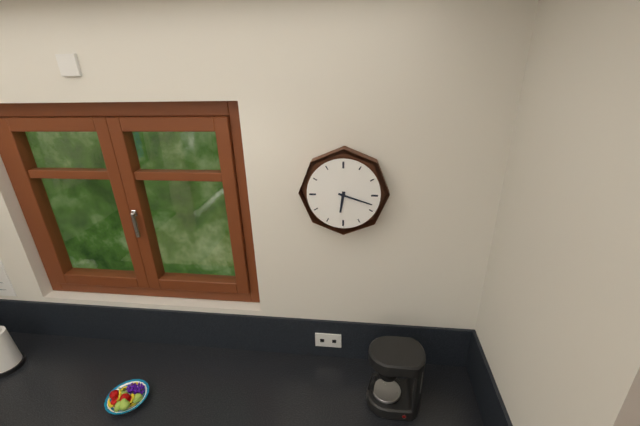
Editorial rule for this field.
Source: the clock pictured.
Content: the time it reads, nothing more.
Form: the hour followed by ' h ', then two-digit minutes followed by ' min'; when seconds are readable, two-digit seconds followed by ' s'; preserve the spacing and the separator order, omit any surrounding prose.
6 h 18 min
